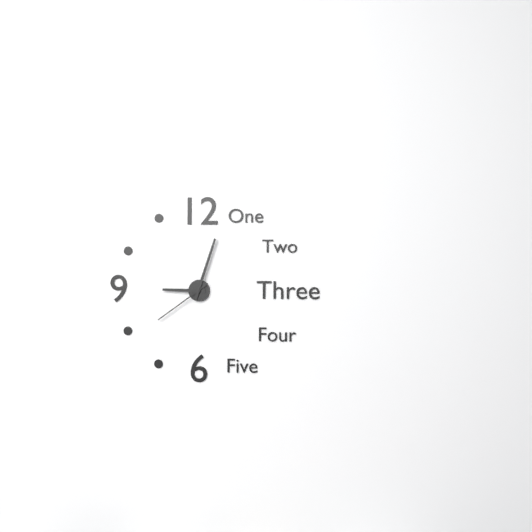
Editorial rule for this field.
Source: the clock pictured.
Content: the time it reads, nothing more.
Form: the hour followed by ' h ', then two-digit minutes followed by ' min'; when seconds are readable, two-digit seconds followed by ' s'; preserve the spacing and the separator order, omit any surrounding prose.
9 h 03 min 39 s
